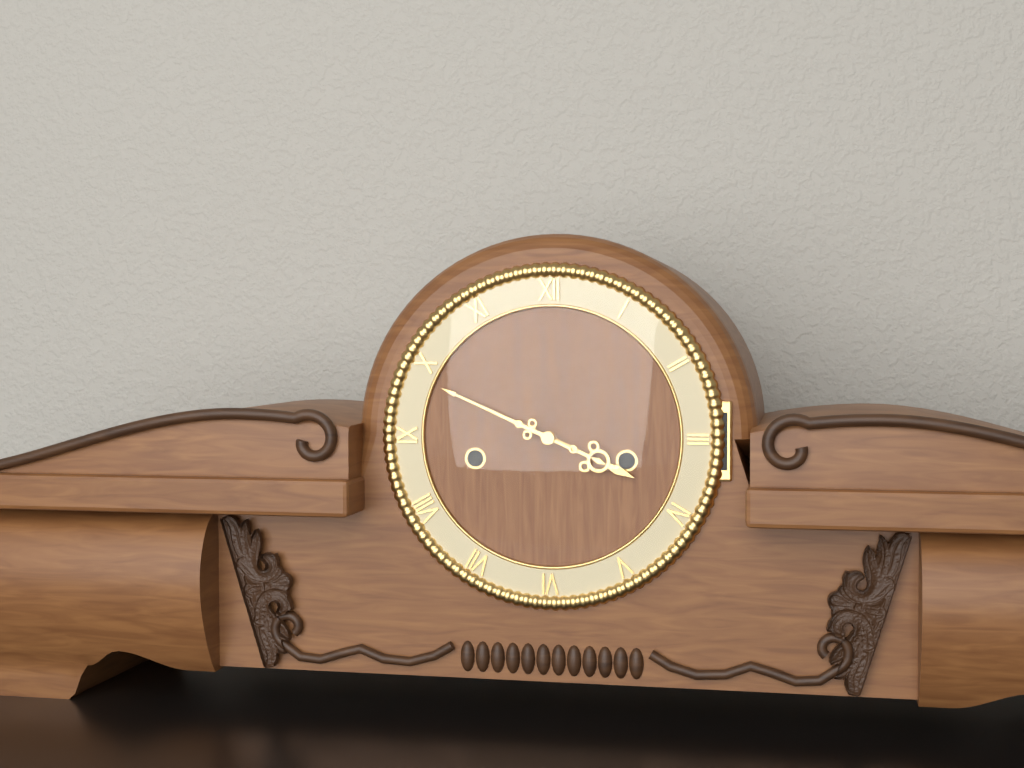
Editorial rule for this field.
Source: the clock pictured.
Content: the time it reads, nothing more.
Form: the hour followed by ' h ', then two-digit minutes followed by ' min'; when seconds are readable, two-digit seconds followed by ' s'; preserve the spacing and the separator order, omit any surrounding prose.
3 h 49 min
